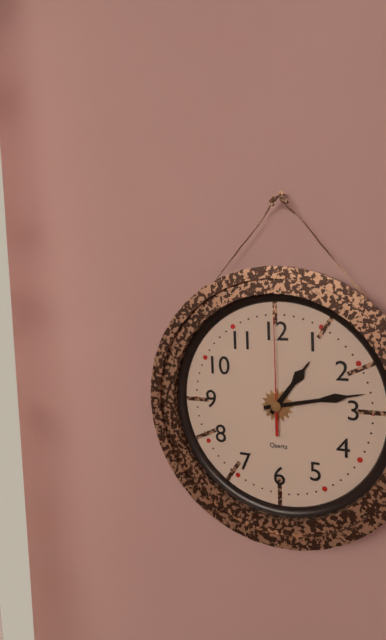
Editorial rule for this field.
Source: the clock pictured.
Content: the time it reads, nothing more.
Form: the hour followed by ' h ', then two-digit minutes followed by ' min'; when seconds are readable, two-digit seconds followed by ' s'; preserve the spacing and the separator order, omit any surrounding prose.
1 h 13 min 00 s
